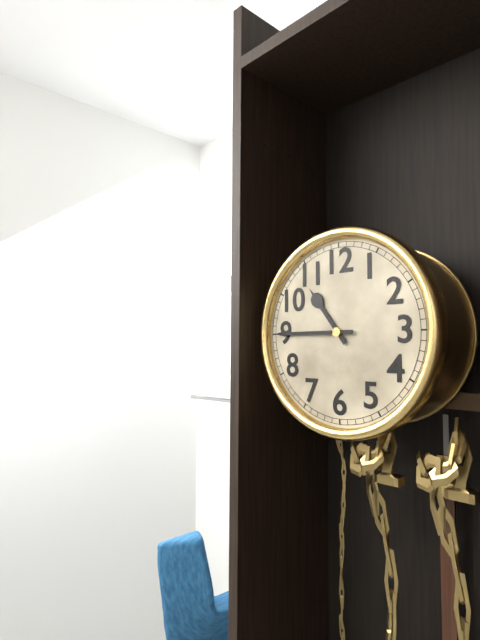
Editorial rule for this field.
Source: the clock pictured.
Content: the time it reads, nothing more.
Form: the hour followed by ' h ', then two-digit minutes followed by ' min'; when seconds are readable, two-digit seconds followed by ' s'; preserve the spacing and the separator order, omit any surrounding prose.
10 h 45 min
